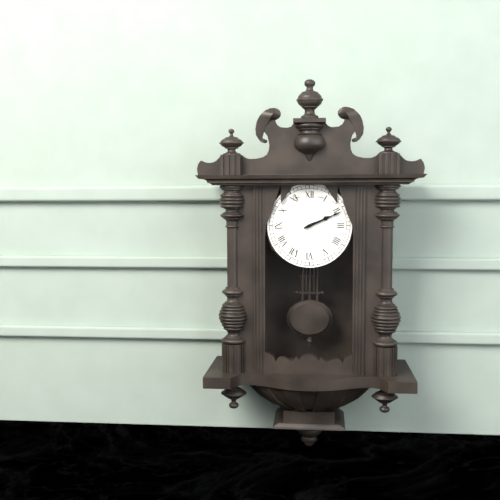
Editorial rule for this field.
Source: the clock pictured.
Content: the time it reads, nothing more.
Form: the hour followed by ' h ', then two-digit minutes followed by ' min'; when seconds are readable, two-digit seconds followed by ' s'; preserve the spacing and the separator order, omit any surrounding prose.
2 h 11 min
